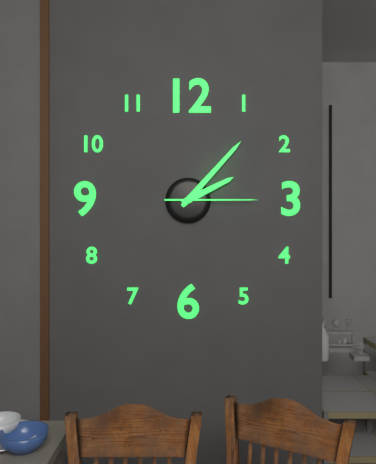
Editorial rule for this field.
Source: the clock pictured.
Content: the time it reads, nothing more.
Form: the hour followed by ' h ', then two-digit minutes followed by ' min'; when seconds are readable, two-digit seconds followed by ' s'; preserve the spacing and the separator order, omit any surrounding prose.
2 h 07 min 15 s
